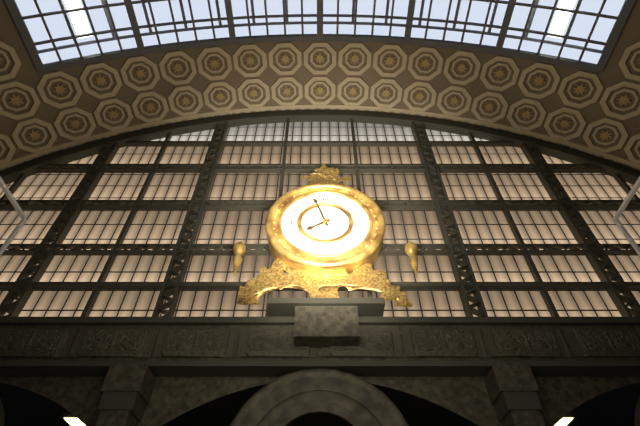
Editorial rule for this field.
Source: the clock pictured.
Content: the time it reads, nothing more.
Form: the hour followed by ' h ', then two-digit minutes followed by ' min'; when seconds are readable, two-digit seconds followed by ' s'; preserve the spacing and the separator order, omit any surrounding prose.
7 h 57 min
